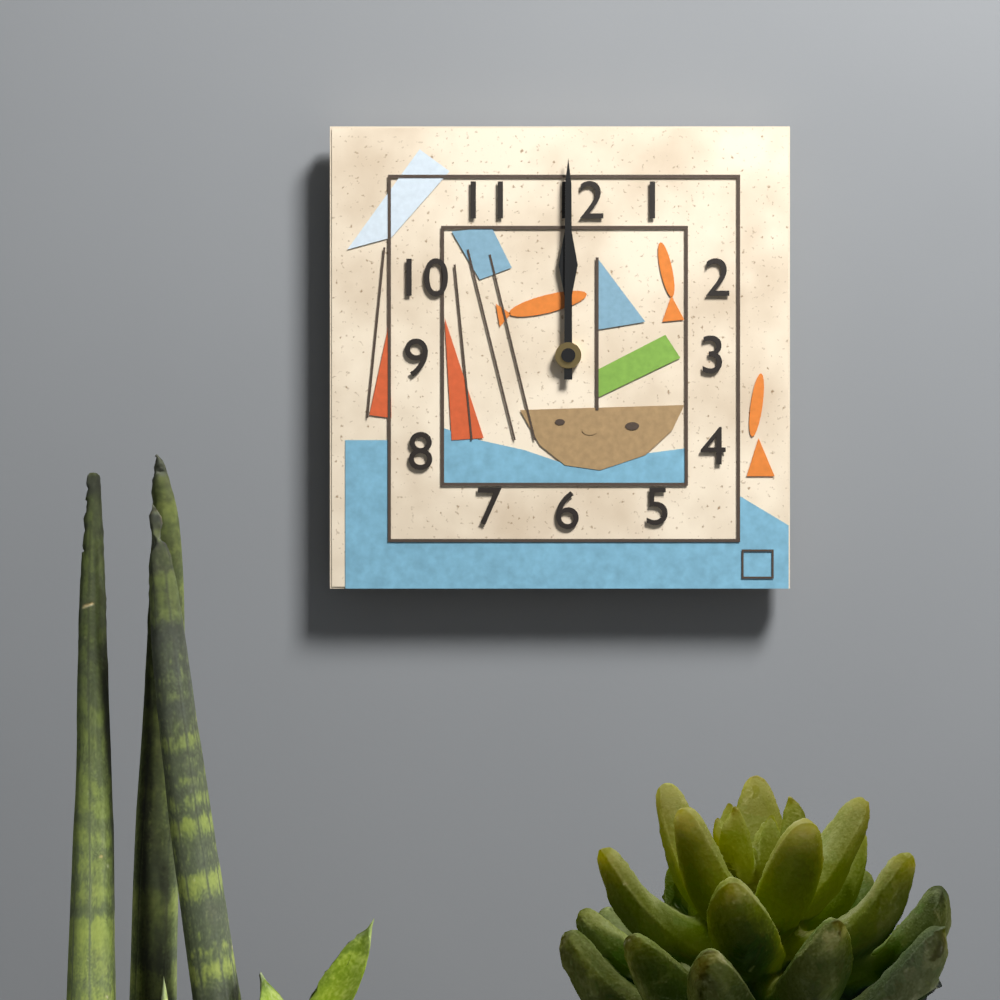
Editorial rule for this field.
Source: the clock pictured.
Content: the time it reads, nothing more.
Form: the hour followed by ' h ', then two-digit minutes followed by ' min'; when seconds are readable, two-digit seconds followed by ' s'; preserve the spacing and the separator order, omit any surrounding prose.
12 h 00 min
